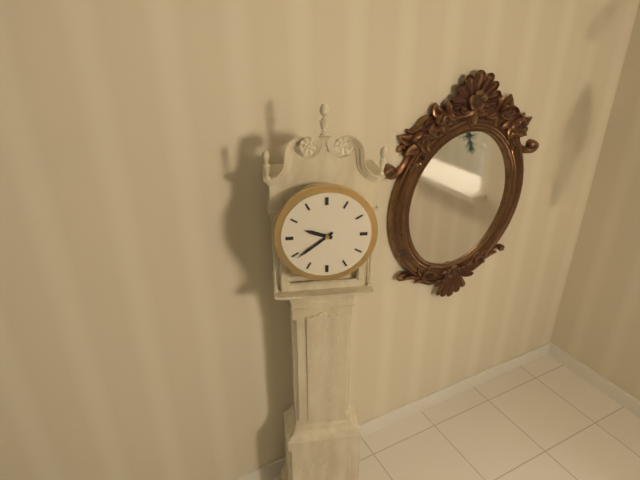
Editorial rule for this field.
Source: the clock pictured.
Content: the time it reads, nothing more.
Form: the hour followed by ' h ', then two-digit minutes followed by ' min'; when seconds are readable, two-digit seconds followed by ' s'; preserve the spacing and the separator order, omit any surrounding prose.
9 h 39 min
